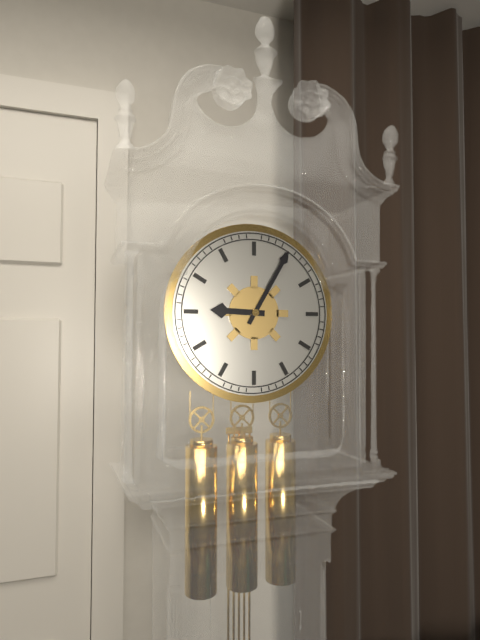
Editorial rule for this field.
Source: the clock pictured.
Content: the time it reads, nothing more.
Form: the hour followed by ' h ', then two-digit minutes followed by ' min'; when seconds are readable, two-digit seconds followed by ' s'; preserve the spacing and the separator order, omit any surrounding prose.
9 h 05 min
